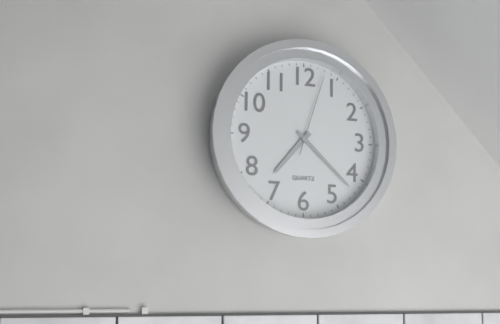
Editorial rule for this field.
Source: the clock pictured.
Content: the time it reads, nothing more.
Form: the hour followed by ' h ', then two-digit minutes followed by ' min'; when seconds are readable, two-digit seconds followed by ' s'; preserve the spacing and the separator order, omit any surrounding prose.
7 h 22 min 03 s
